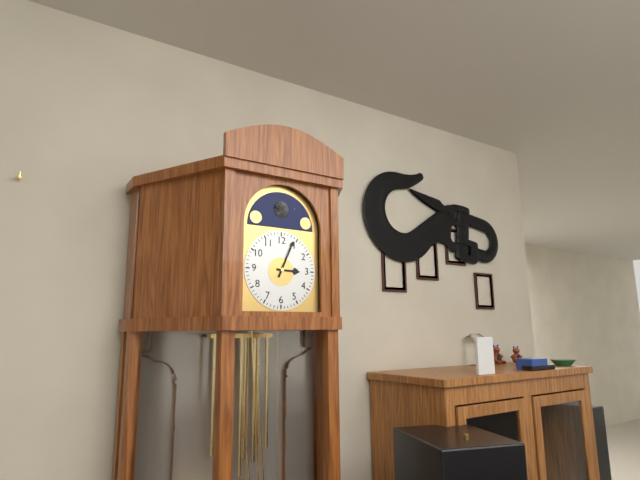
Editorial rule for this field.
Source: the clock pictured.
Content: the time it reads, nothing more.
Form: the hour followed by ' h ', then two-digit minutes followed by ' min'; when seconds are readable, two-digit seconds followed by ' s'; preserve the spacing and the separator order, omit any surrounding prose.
3 h 04 min
